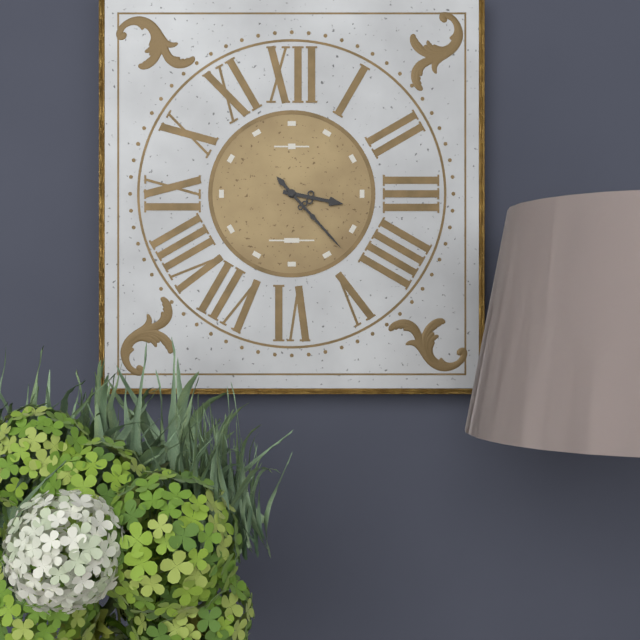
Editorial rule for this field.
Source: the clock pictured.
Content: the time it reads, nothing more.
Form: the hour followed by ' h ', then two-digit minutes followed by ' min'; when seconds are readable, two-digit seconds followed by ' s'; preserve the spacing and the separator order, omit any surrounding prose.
3 h 23 min
